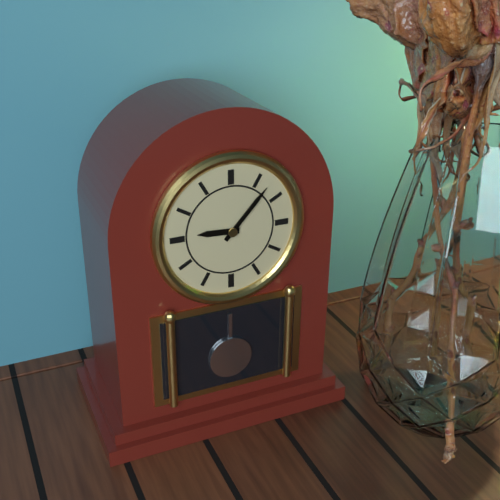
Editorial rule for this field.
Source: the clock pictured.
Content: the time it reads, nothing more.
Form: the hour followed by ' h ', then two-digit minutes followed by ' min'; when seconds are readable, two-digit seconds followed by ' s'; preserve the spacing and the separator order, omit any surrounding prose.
9 h 07 min
